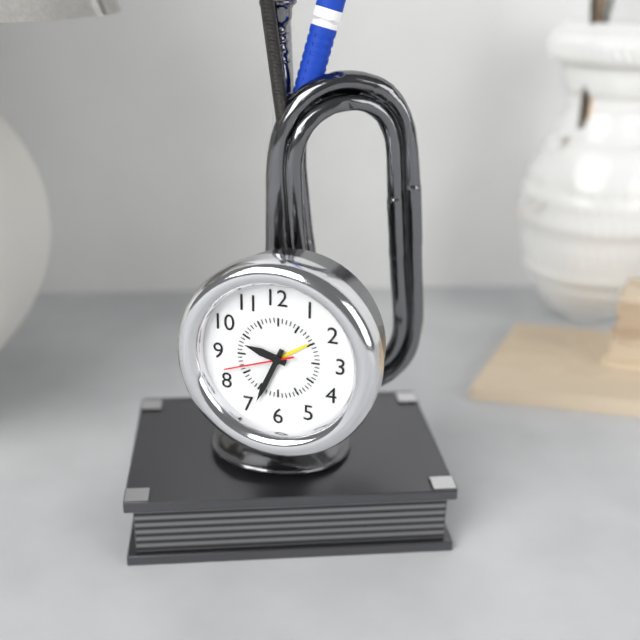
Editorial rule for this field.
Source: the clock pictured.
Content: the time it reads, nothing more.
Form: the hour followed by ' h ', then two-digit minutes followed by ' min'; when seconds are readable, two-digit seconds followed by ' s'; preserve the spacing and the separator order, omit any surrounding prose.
9 h 34 min 42 s
